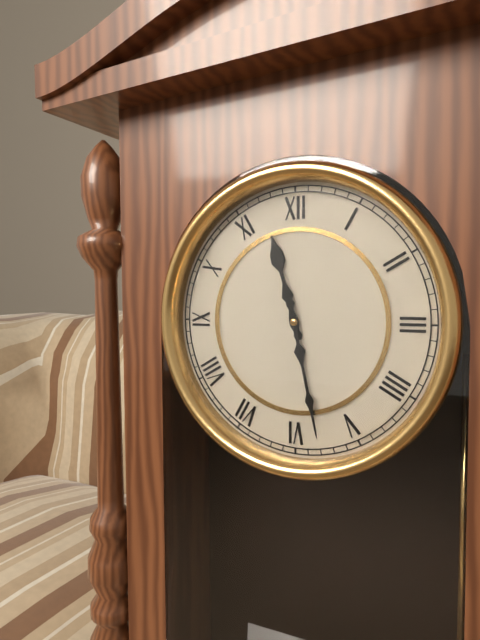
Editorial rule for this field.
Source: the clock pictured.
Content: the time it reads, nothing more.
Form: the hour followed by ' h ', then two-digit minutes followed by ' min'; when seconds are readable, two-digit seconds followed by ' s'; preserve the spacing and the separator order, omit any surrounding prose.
11 h 28 min
